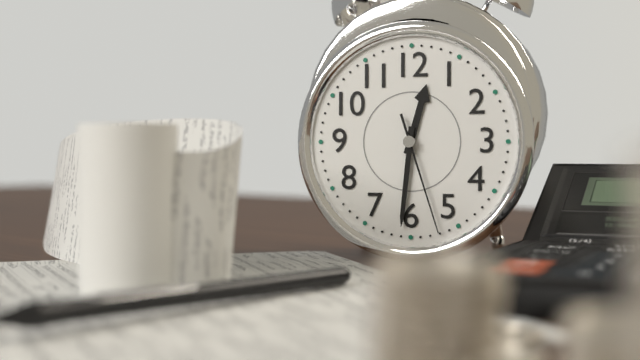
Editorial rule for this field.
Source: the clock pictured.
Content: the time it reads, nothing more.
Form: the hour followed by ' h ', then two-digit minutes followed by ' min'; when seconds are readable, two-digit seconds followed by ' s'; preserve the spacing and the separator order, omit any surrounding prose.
12 h 31 min 27 s
